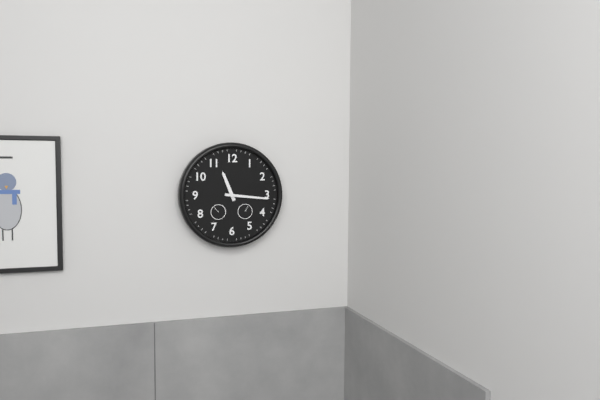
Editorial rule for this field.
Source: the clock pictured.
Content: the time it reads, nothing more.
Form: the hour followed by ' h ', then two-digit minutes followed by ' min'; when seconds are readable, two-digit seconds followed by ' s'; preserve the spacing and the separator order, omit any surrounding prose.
11 h 16 min
